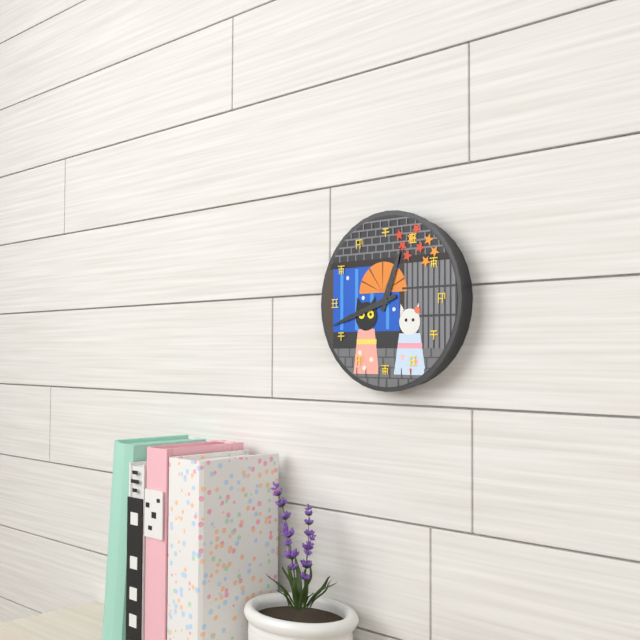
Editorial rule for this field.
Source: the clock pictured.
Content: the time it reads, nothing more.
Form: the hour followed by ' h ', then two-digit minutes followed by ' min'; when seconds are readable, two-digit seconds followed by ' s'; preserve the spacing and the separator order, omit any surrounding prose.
12 h 42 min
